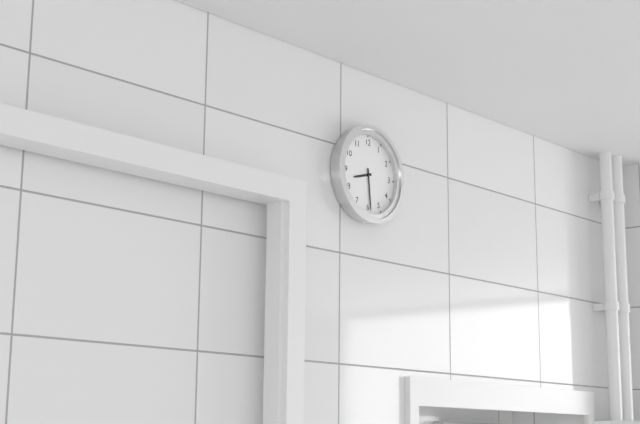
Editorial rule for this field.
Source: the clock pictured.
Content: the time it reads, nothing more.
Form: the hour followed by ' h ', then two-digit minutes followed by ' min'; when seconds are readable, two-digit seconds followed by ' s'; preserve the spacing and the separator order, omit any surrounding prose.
8 h 29 min
